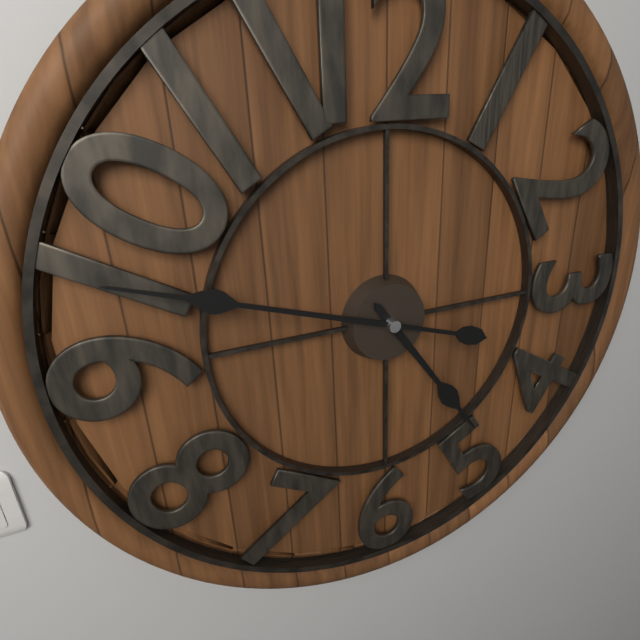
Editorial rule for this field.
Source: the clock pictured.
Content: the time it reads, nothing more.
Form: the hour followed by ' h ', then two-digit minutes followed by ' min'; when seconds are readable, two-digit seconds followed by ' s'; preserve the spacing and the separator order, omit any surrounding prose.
4 h 48 min
